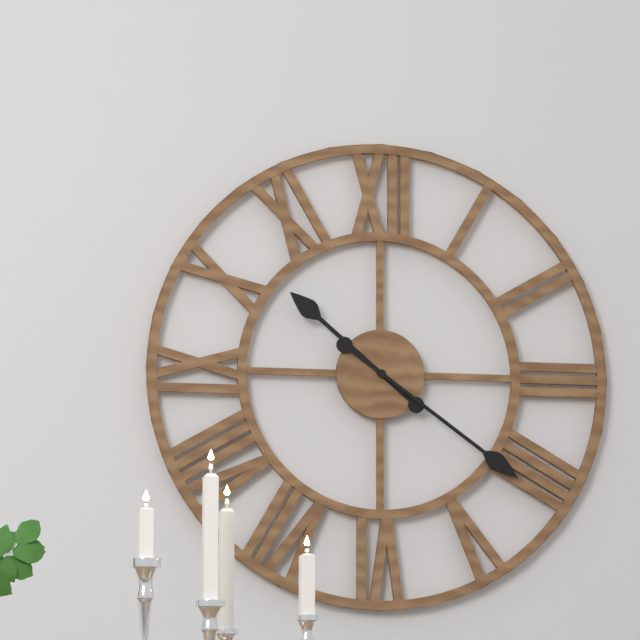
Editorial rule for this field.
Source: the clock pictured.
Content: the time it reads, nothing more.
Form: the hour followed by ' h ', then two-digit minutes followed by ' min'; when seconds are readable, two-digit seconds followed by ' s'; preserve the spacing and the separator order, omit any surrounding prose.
10 h 21 min
